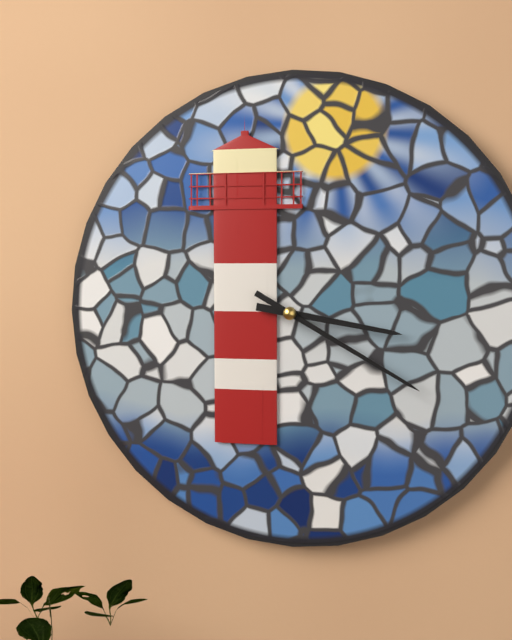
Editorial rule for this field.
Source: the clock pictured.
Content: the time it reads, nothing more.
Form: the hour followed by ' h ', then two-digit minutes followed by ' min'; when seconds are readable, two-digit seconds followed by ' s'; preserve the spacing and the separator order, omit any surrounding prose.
3 h 20 min
